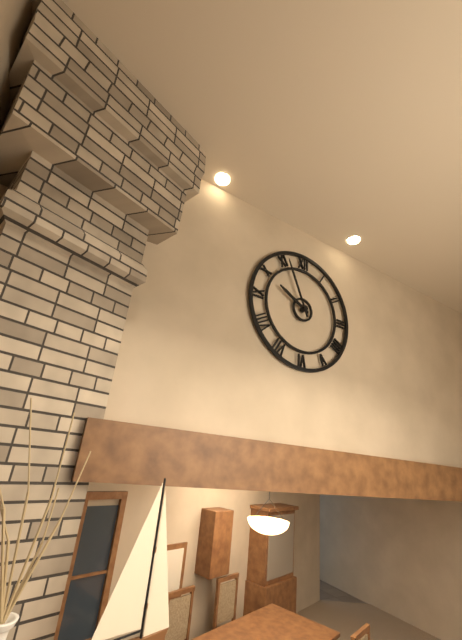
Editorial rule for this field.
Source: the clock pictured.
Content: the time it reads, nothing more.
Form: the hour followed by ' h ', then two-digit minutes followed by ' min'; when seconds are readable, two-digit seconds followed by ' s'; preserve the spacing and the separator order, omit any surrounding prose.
9 h 56 min
